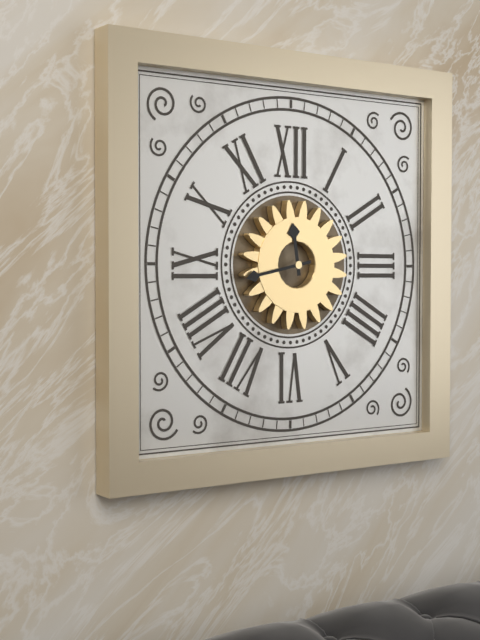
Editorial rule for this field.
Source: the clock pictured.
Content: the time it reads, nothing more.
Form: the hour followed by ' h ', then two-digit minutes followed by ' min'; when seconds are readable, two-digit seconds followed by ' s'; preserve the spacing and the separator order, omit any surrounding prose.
11 h 43 min
